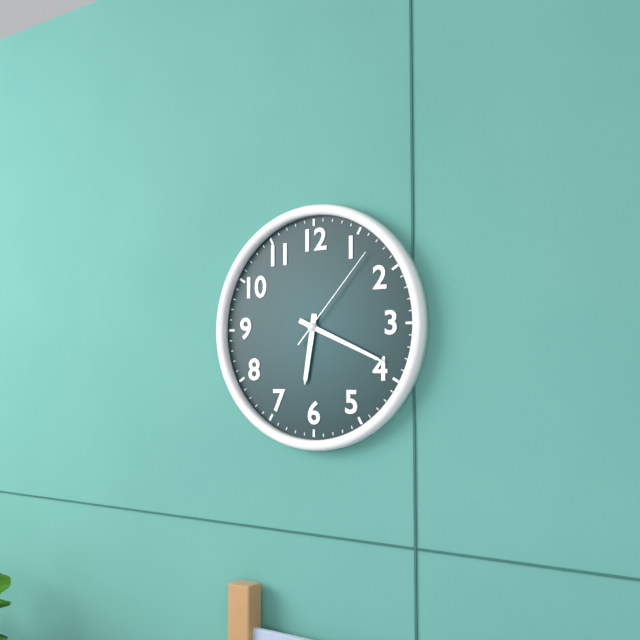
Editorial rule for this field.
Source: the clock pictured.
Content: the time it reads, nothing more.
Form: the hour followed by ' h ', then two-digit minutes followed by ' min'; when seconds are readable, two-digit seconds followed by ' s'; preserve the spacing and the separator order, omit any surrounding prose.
6 h 19 min 07 s
